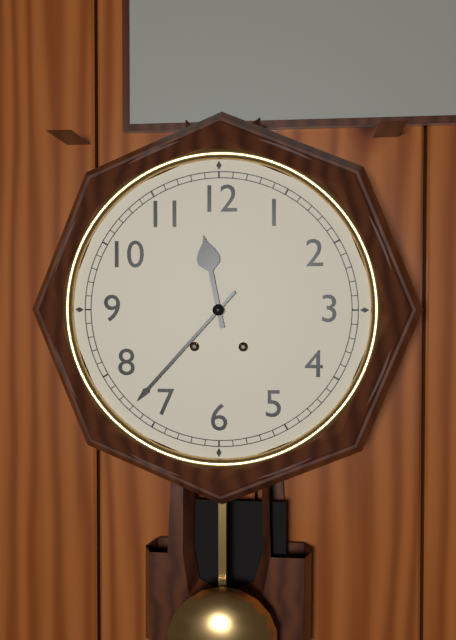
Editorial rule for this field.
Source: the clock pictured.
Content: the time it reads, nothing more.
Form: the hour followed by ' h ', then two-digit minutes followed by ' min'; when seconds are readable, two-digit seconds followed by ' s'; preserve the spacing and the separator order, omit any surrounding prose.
11 h 37 min
